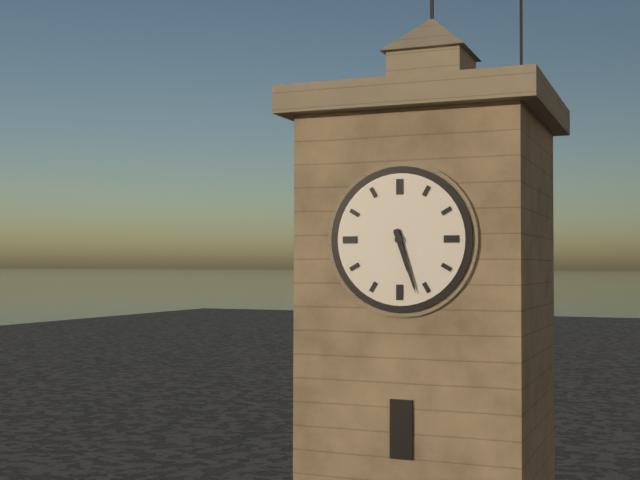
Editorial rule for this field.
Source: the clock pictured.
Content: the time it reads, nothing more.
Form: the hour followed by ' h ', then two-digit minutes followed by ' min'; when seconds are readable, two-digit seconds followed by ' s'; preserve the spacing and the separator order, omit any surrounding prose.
5 h 27 min
